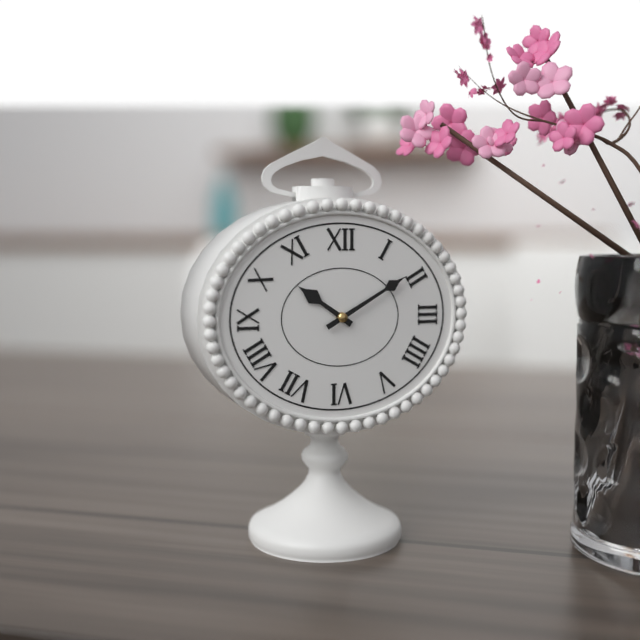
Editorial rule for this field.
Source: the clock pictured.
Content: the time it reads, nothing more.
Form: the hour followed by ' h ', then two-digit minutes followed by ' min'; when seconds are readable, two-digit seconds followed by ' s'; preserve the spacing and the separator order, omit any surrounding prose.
10 h 10 min
